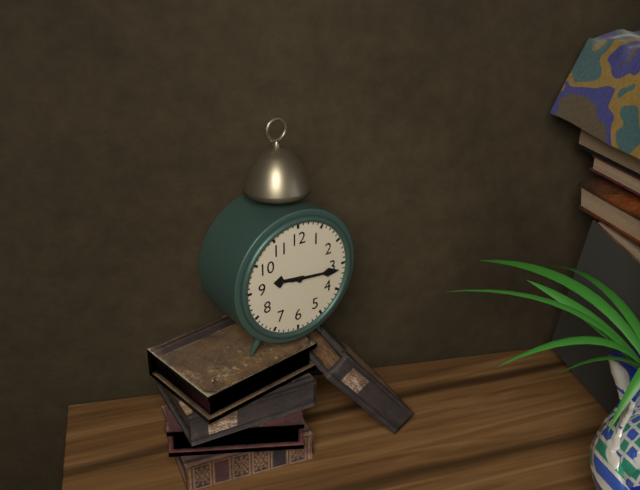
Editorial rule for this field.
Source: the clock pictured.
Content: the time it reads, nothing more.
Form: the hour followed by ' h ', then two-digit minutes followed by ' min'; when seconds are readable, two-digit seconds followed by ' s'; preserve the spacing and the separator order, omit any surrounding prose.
9 h 16 min
